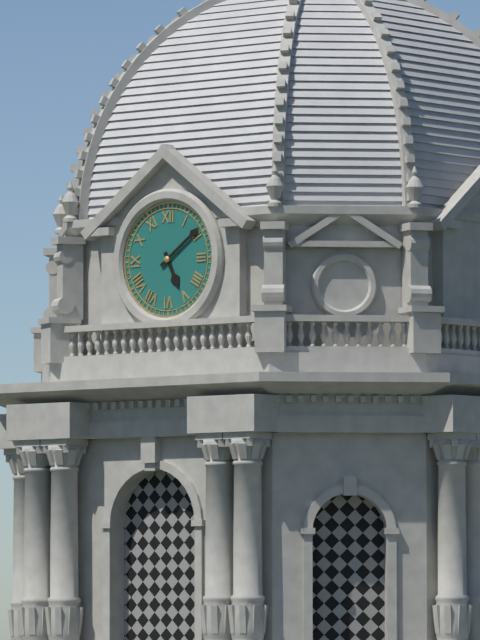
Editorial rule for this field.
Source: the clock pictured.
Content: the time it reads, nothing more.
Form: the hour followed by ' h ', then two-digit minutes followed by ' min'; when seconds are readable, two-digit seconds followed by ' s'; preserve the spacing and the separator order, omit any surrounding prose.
5 h 09 min
